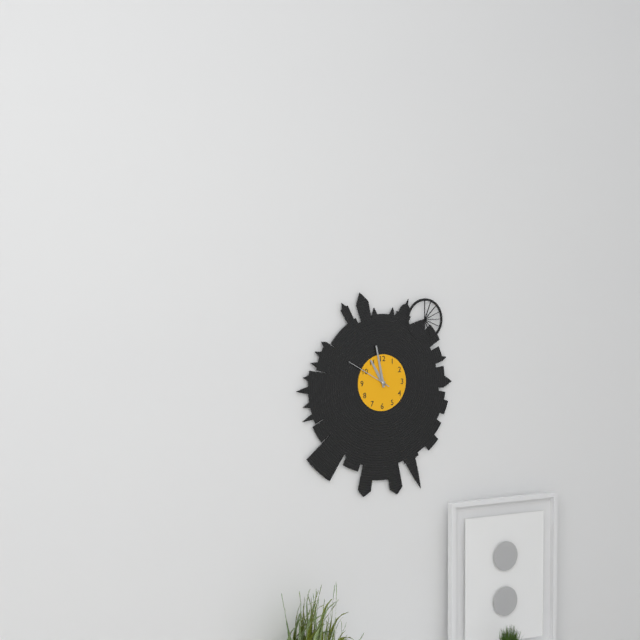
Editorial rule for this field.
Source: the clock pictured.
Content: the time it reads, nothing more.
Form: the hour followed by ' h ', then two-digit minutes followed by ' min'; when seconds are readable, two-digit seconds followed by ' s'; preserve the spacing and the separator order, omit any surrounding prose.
10 h 58 min 50 s
